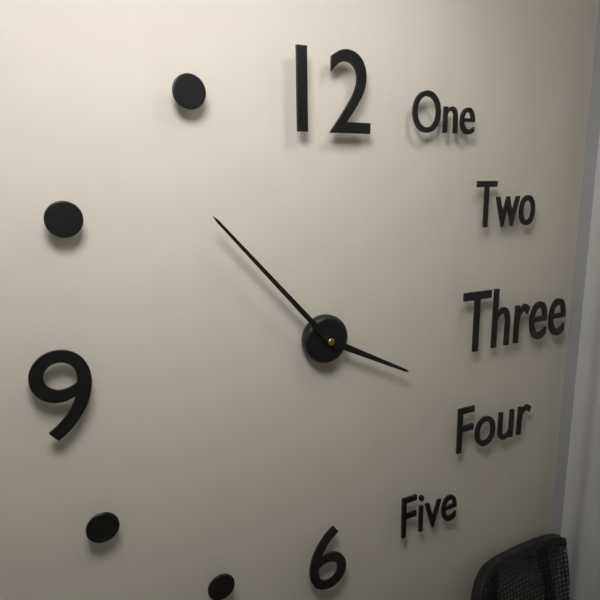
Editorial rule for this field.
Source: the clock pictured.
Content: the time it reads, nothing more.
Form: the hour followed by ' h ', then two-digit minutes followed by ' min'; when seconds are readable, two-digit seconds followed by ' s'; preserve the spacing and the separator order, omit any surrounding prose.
3 h 53 min
